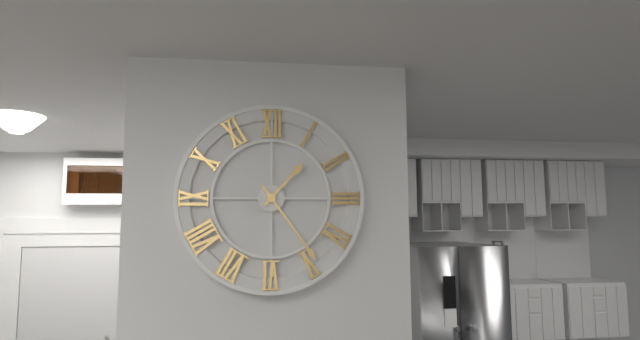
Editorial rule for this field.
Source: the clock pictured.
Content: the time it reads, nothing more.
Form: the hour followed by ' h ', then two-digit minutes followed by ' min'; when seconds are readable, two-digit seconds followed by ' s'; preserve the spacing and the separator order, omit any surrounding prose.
1 h 24 min
